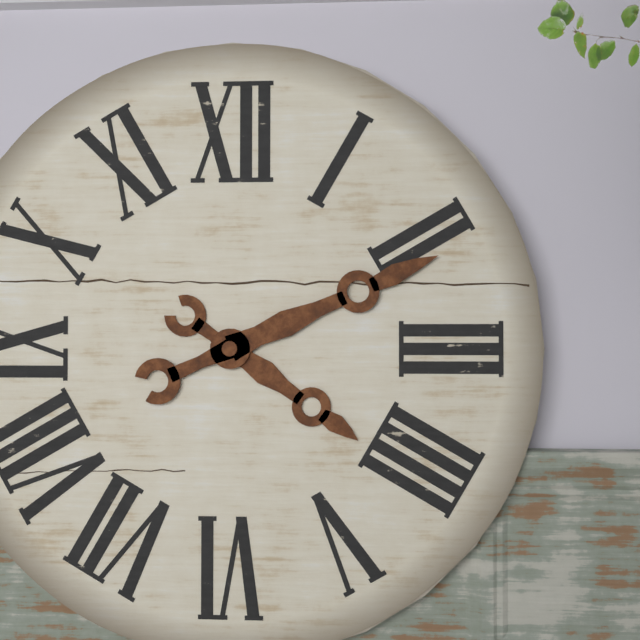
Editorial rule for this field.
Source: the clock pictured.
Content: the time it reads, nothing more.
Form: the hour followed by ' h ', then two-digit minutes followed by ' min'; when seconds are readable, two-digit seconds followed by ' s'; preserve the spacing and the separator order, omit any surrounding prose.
4 h 11 min
